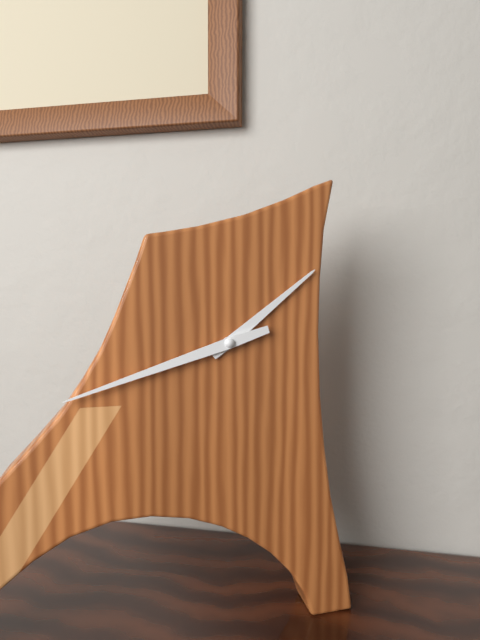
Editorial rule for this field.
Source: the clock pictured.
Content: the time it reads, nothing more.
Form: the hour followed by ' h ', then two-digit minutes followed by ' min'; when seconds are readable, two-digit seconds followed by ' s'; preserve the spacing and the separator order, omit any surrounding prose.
1 h 42 min
